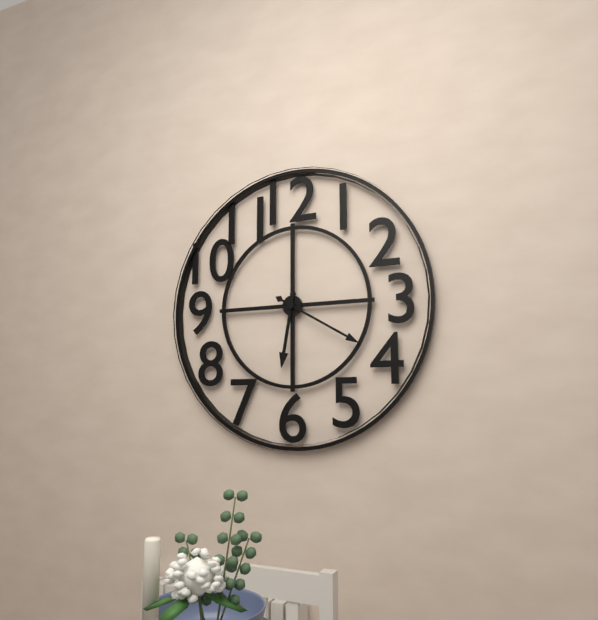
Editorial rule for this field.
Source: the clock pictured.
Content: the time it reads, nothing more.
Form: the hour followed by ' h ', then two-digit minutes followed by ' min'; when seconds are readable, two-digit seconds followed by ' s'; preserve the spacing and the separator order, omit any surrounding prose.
6 h 20 min
